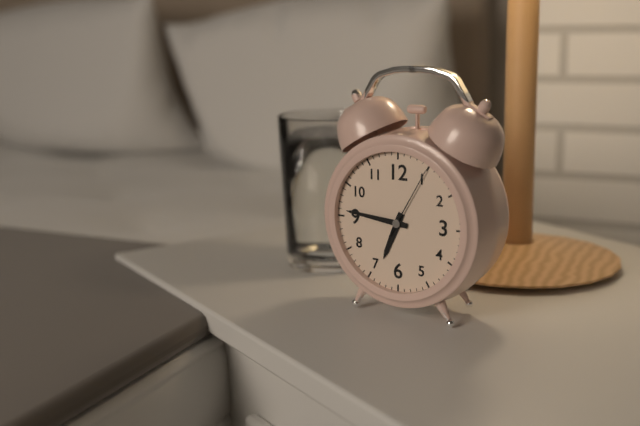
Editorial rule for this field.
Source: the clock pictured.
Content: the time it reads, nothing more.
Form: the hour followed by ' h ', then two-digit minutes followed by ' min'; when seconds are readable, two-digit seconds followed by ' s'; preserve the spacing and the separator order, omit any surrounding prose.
6 h 46 min 05 s
